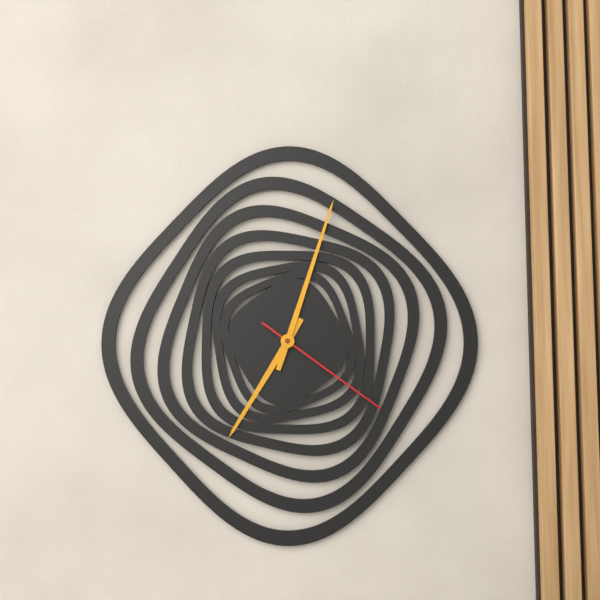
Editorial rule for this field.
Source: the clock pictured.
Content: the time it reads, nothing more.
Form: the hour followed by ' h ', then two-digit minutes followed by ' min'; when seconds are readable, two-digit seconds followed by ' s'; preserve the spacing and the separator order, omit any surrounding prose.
7 h 03 min 21 s
